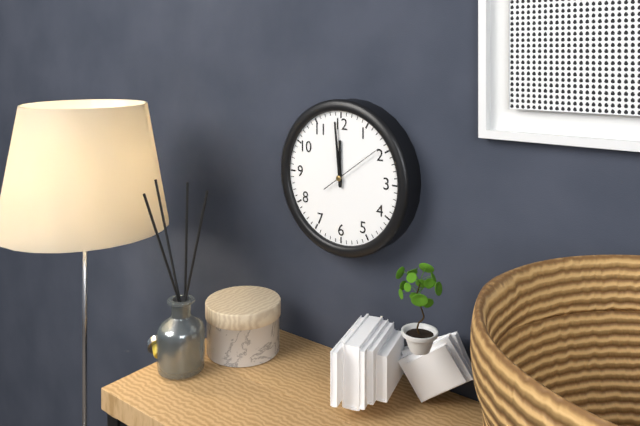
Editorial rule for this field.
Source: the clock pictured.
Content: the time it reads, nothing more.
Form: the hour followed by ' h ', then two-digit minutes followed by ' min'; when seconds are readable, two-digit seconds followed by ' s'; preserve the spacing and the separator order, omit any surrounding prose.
11 h 59 min 09 s
